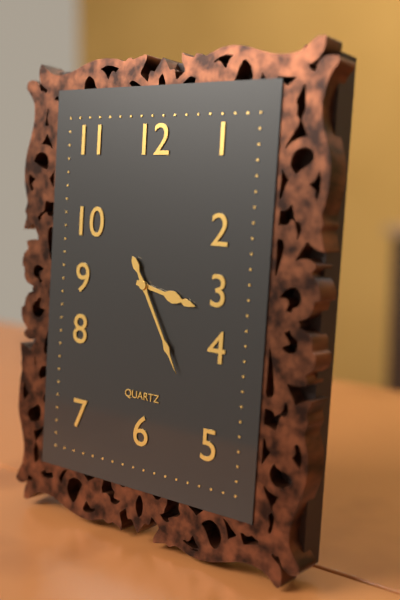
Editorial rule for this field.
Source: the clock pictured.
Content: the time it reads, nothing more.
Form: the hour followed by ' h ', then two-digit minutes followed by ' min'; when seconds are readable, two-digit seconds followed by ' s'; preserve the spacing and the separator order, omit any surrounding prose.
3 h 25 min
